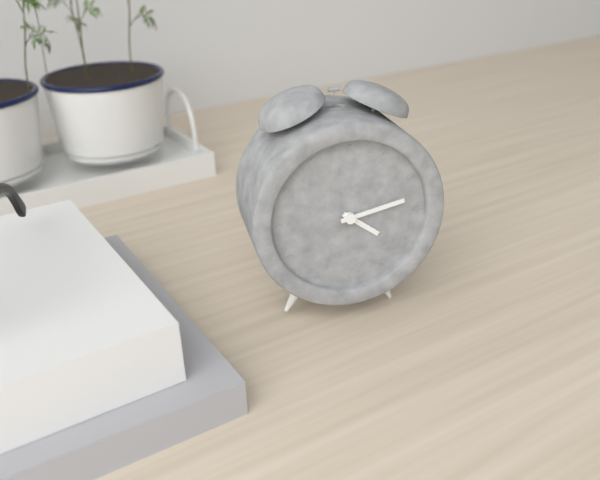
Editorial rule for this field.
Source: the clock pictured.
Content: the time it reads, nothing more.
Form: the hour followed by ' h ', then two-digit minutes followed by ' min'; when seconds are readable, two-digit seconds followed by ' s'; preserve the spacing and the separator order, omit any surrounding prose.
4 h 13 min
